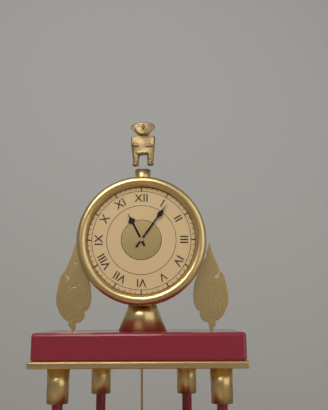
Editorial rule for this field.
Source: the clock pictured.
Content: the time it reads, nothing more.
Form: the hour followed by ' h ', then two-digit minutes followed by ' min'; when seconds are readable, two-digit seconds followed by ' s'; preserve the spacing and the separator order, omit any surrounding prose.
11 h 06 min
